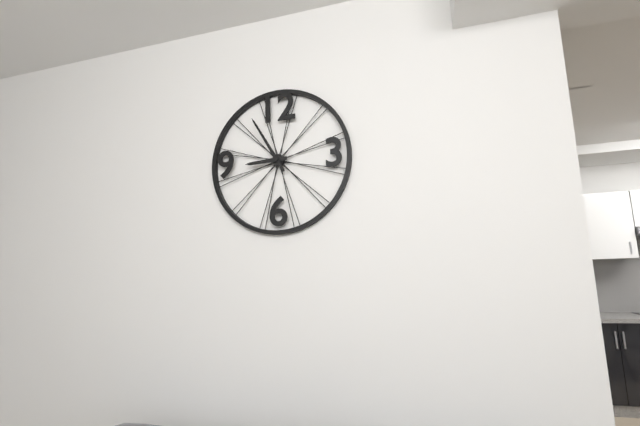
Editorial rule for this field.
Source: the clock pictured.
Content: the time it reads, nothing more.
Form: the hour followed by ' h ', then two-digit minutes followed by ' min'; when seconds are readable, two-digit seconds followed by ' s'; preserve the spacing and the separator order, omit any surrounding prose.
8 h 55 min
